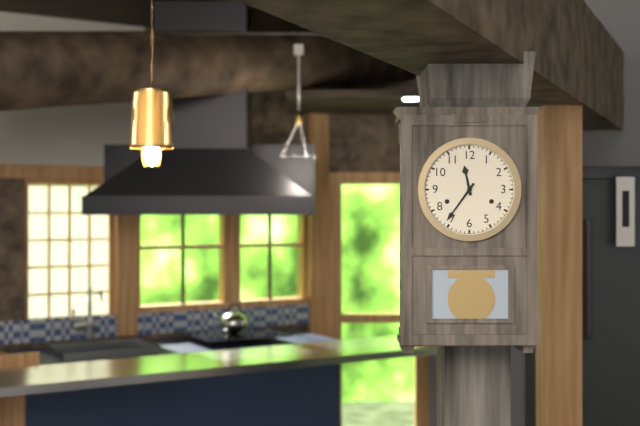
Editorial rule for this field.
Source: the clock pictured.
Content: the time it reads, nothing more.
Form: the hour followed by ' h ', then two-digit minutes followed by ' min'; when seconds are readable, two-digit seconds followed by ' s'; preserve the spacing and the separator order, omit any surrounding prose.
11 h 36 min
